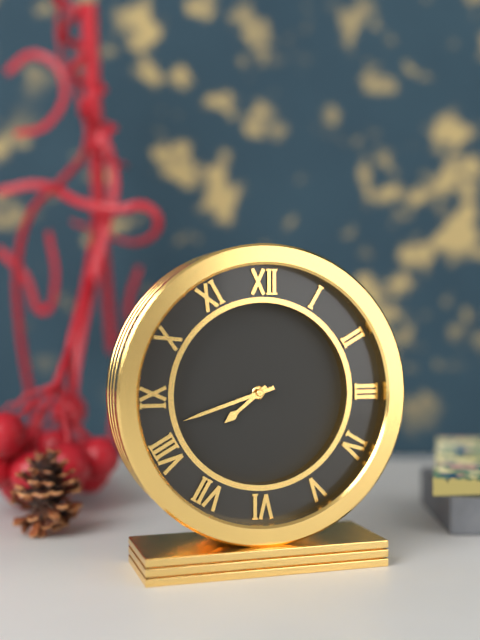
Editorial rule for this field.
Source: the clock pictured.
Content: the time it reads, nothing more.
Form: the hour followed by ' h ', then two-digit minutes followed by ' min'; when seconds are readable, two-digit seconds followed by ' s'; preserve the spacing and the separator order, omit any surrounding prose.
7 h 42 min
